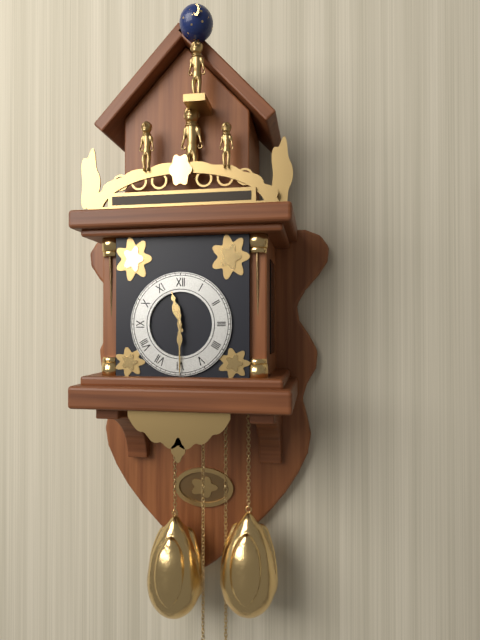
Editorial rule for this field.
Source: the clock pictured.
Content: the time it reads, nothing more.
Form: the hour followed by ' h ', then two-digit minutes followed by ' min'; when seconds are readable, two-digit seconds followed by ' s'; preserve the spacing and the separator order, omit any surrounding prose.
11 h 30 min
